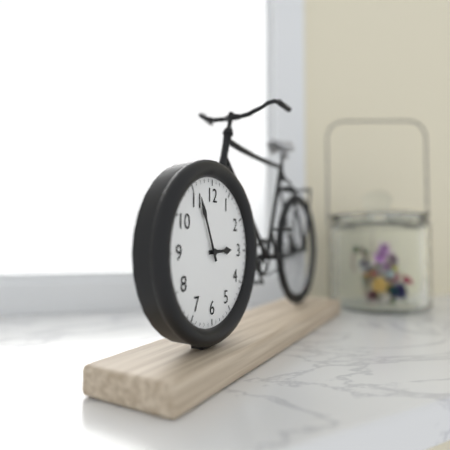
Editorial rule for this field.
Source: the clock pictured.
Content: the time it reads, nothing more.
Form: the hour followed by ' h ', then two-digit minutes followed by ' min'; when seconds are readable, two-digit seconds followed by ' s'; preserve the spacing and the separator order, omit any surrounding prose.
2 h 56 min
